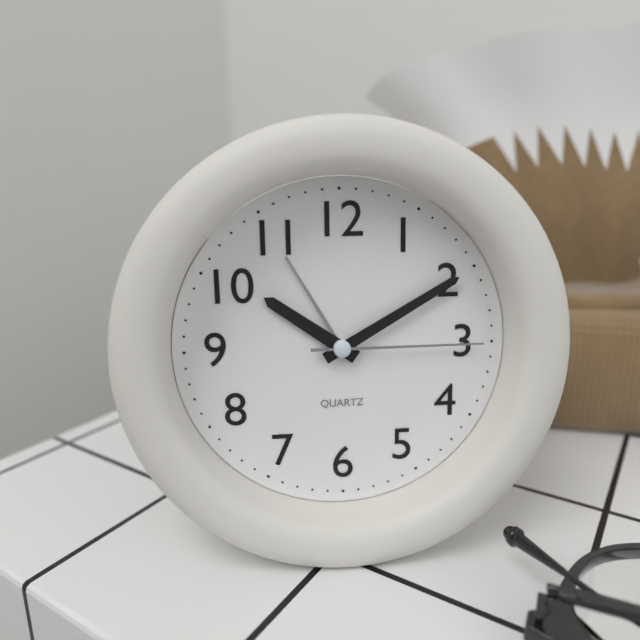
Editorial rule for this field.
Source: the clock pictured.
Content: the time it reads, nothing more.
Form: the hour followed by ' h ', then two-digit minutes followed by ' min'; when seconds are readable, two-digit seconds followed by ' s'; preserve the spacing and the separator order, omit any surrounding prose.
10 h 10 min 15 s
